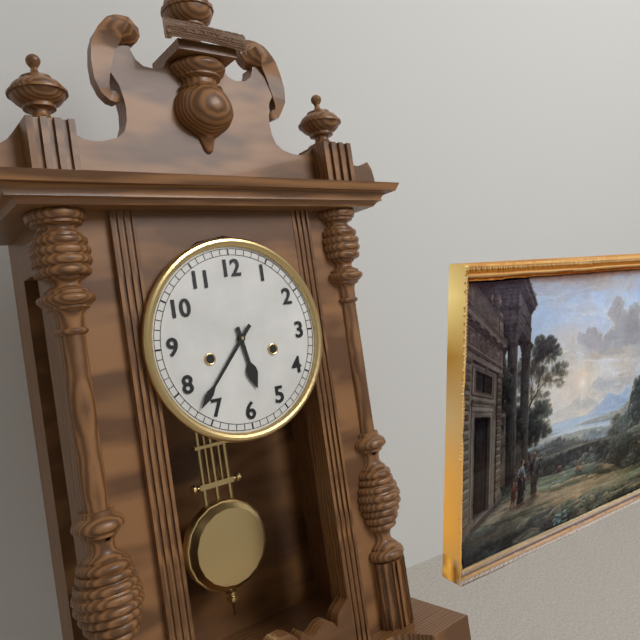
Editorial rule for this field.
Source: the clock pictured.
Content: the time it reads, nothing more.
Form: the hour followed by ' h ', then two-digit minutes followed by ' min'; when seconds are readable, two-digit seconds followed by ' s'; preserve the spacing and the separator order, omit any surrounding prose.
5 h 37 min
